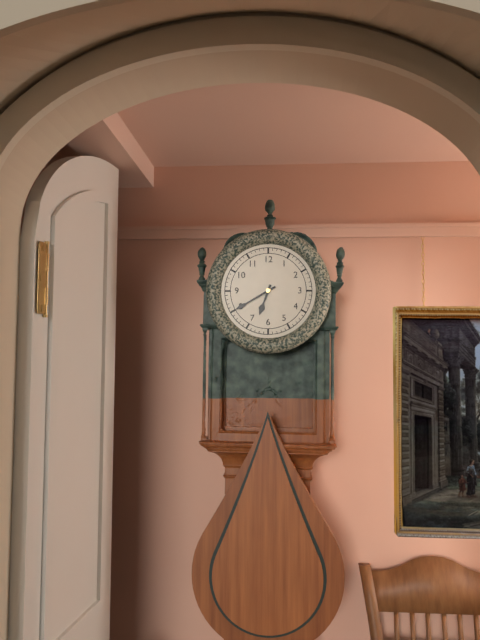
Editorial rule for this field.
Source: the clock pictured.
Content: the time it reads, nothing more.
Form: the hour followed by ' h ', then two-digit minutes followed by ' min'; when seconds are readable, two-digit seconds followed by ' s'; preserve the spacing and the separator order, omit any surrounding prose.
6 h 40 min
